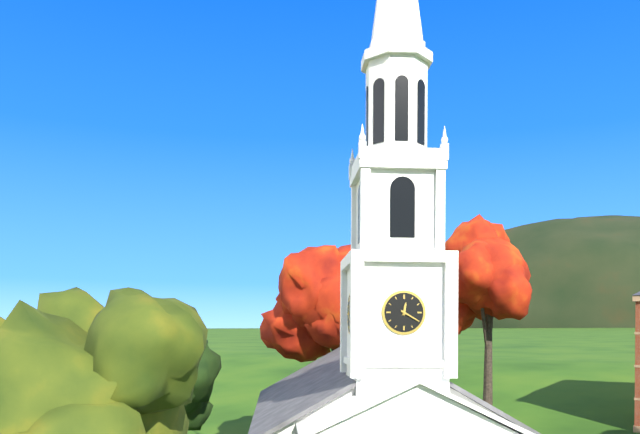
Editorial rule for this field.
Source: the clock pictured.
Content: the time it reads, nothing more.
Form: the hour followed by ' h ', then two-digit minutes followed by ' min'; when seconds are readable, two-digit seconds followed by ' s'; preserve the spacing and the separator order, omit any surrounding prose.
12 h 20 min
